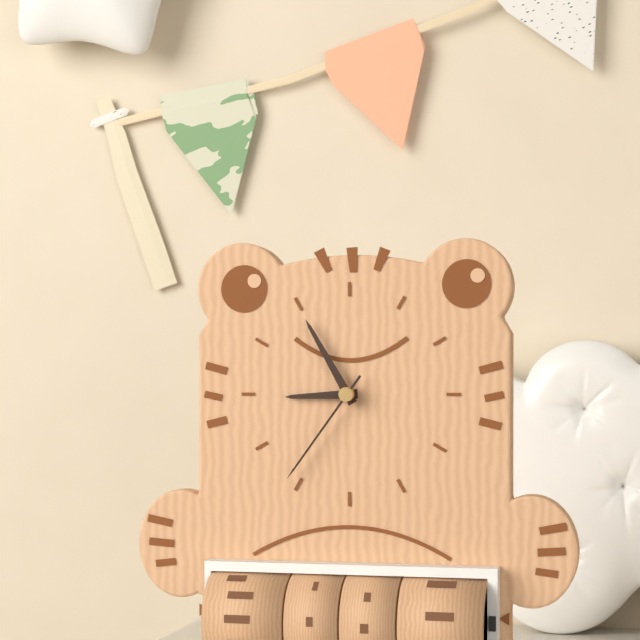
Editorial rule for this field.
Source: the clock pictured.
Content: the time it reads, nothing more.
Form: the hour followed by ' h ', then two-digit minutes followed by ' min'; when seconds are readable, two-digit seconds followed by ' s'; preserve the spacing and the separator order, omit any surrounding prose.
8 h 55 min 36 s
